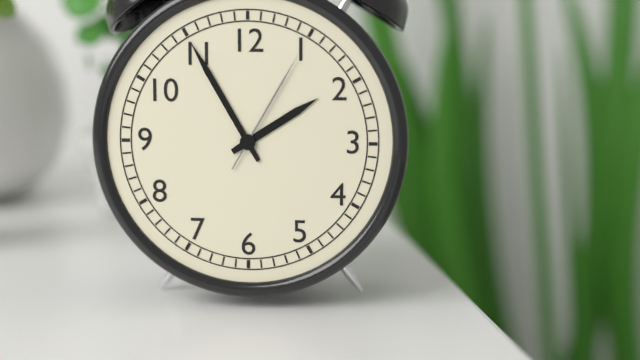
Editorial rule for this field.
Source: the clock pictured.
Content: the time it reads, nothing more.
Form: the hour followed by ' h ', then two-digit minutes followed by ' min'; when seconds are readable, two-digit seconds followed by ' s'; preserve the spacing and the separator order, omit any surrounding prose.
1 h 55 min 05 s
